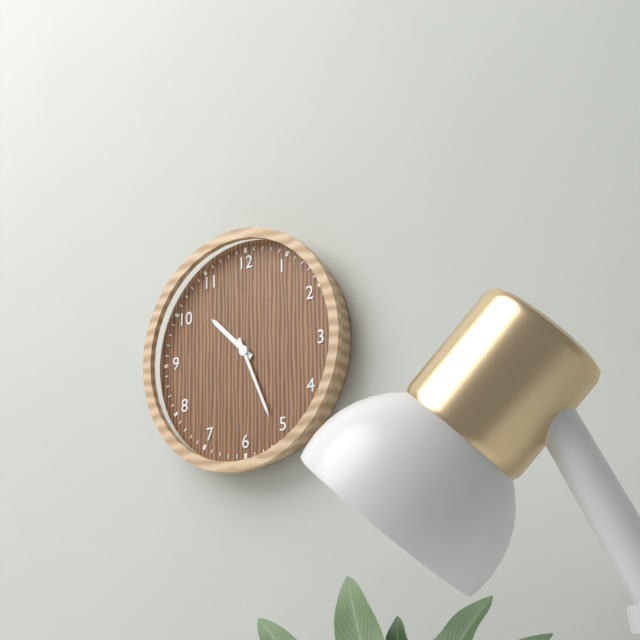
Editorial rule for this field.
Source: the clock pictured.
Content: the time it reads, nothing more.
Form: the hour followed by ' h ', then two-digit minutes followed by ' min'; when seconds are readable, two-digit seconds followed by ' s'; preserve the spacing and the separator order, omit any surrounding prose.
10 h 26 min
